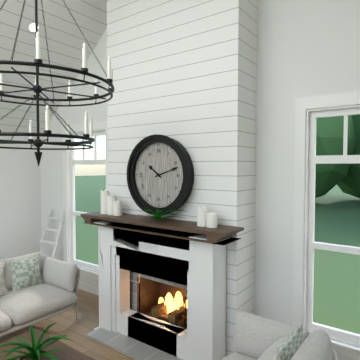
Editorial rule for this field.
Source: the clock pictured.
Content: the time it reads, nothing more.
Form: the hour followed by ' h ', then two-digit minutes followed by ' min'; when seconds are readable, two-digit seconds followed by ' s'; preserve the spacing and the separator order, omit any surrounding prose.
10 h 12 min
